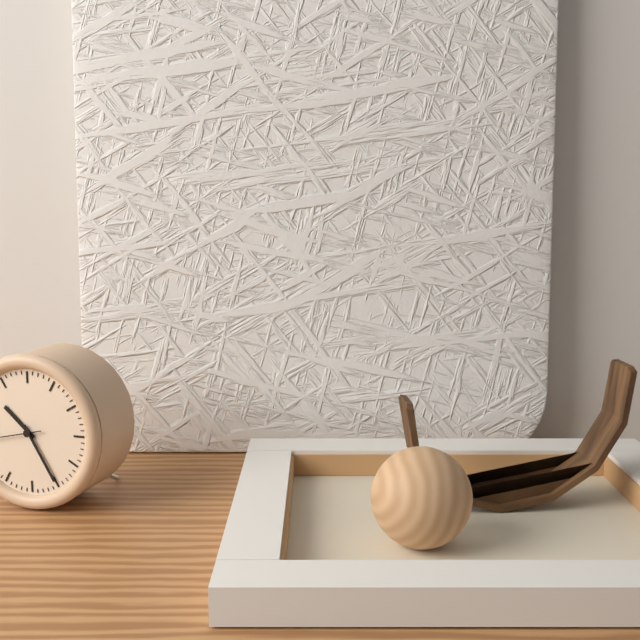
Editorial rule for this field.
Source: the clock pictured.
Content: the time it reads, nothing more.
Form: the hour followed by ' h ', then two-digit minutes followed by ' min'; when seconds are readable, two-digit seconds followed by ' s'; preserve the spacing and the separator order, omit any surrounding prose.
10 h 25 min
